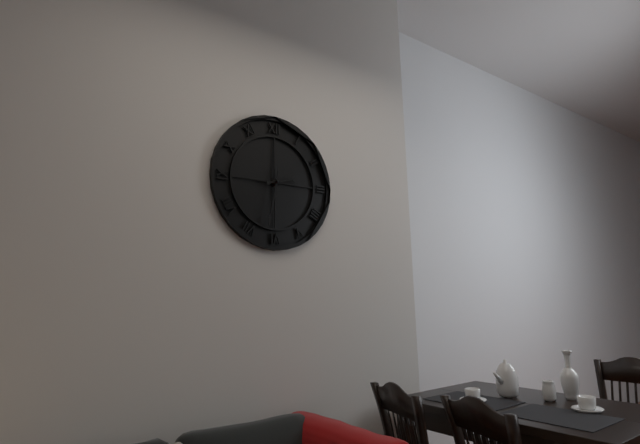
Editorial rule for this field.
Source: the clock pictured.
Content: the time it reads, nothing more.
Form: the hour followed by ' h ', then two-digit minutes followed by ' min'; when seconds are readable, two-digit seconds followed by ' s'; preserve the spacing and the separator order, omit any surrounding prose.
2 h 32 min
